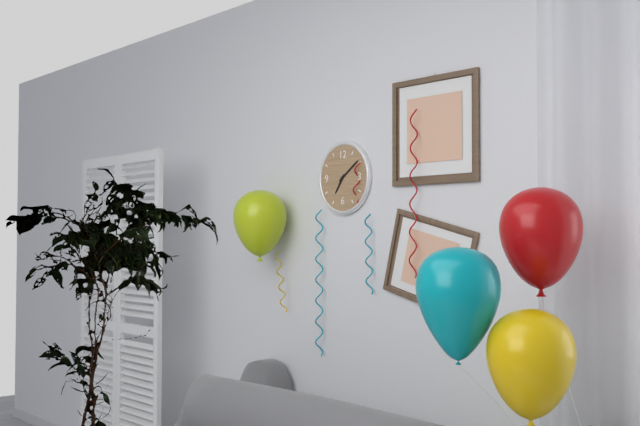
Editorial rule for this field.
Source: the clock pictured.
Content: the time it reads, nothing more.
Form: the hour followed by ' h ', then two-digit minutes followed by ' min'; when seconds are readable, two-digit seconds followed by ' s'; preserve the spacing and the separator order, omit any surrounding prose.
7 h 09 min
